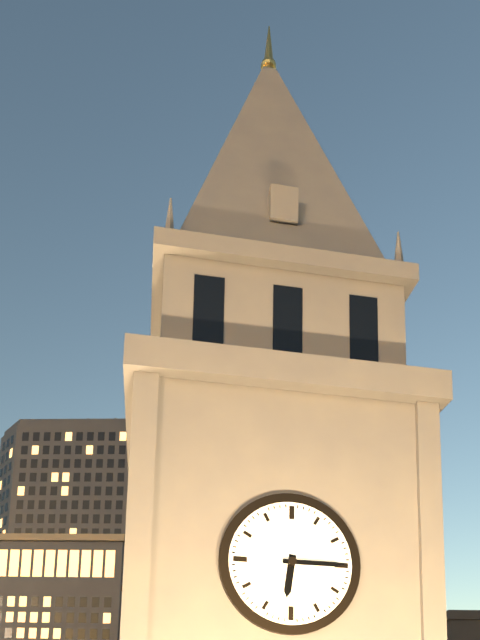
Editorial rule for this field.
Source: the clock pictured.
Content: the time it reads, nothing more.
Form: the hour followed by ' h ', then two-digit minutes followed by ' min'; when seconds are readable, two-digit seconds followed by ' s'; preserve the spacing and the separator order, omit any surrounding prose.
6 h 15 min
